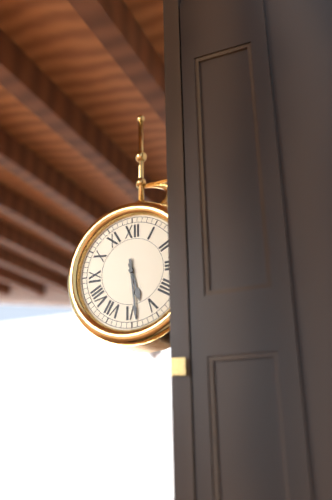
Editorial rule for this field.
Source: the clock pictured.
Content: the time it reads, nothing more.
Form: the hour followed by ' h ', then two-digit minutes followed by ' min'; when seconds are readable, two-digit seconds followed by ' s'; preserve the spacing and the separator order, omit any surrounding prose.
5 h 29 min
